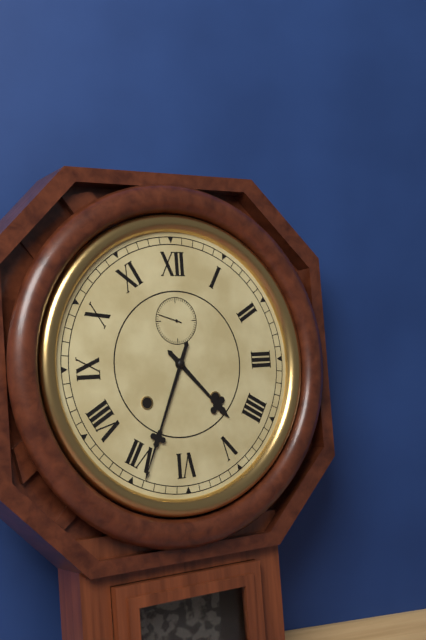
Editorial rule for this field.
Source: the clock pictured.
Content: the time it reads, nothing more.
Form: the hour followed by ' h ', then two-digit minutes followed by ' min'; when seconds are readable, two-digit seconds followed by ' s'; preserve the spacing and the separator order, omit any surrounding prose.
4 h 34 min
